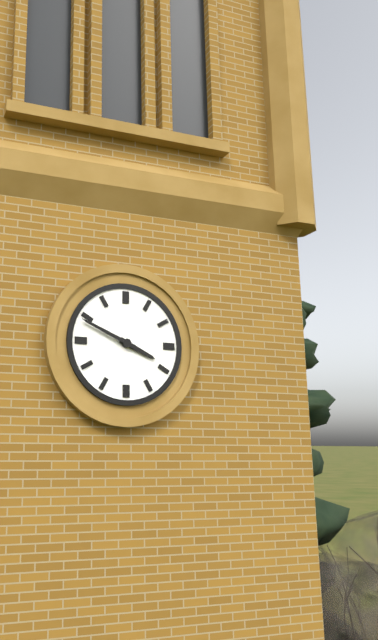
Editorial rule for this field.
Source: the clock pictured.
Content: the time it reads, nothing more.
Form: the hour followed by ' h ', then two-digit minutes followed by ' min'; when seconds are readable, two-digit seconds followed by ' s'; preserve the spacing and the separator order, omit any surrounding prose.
3 h 49 min
